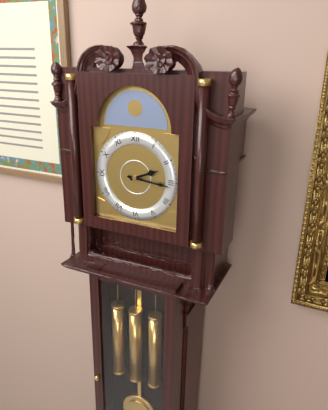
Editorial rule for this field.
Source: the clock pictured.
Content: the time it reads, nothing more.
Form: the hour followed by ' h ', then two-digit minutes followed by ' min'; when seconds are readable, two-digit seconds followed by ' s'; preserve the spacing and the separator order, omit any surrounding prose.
2 h 16 min
